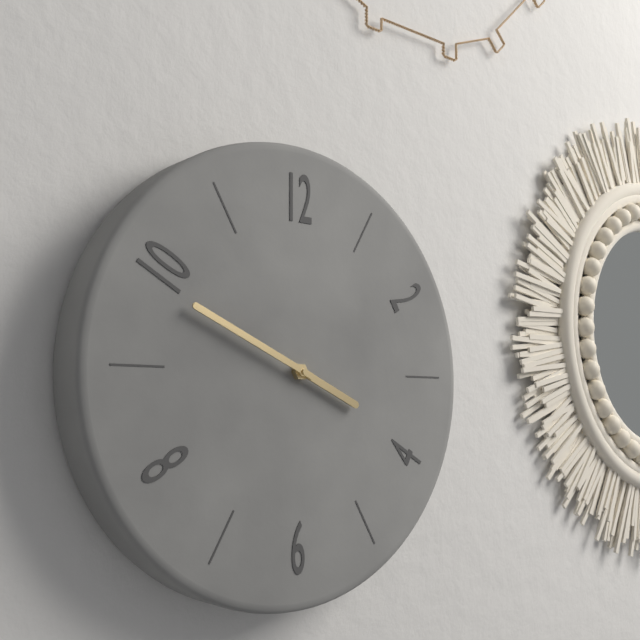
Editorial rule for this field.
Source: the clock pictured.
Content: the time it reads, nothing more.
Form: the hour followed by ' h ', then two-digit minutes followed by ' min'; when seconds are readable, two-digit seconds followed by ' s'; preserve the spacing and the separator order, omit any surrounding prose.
3 h 49 min
